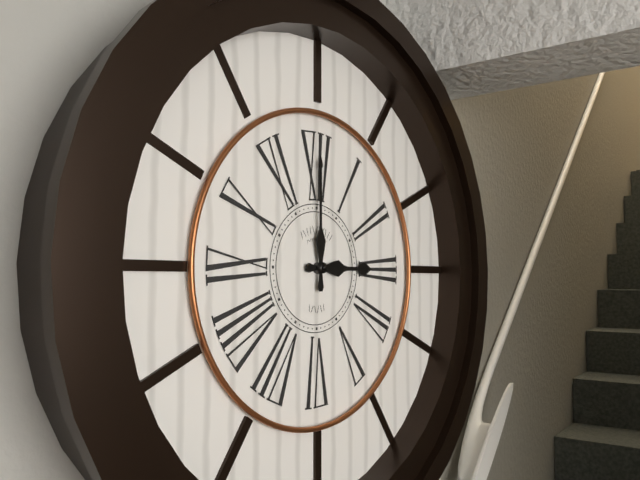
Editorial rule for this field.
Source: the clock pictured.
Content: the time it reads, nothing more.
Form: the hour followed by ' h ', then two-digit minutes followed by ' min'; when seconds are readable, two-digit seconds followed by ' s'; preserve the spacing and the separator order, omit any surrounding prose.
3 h 00 min
